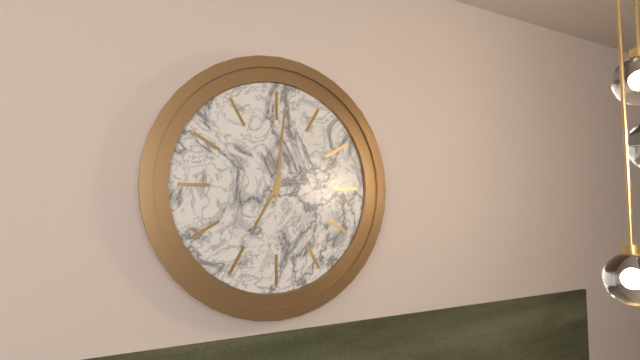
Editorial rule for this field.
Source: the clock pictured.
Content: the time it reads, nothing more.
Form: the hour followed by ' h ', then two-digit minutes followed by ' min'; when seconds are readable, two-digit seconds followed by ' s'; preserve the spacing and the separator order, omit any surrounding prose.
7 h 01 min
